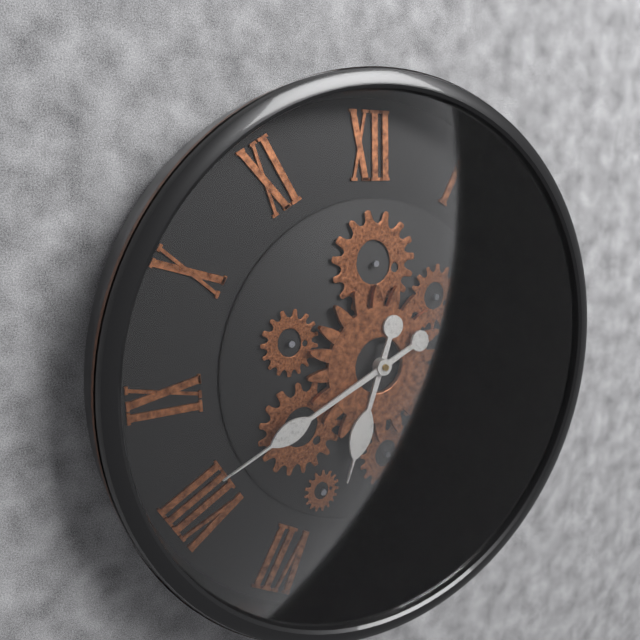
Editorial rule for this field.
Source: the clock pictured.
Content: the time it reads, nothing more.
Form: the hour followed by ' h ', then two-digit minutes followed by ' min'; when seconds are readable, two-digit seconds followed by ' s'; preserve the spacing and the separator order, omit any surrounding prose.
6 h 41 min
